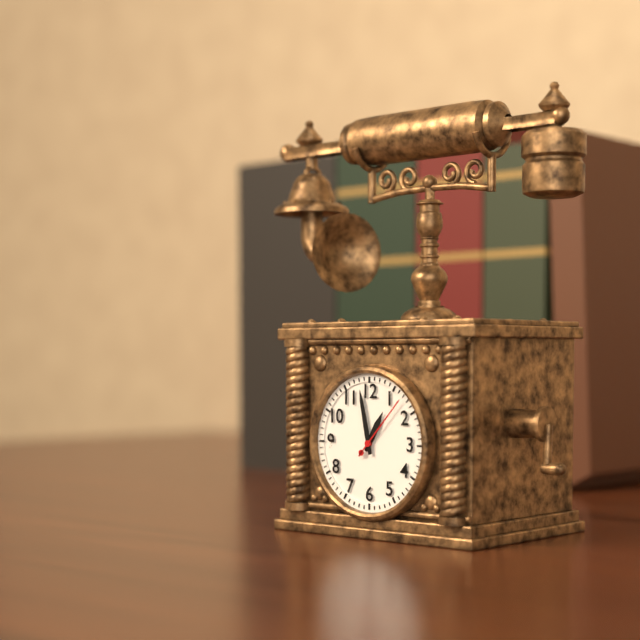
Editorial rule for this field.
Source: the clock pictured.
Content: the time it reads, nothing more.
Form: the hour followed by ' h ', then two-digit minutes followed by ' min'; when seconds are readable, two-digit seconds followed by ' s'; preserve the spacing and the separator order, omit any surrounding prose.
12 h 58 min 07 s
